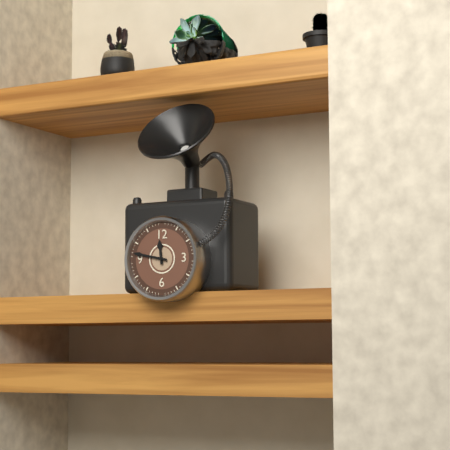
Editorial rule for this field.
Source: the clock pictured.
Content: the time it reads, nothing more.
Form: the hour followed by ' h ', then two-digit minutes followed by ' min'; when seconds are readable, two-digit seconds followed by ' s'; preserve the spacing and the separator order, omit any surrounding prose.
11 h 47 min
